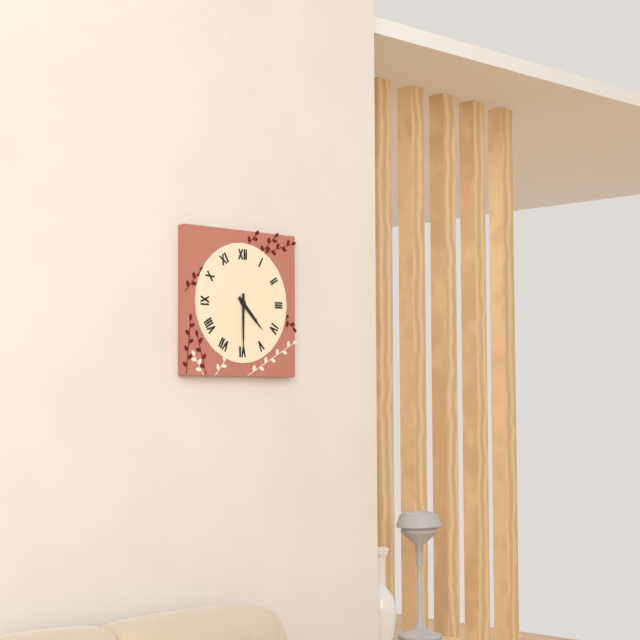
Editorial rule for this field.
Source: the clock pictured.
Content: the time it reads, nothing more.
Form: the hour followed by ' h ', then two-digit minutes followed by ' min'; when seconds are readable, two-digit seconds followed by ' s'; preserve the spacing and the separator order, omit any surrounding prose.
4 h 30 min
